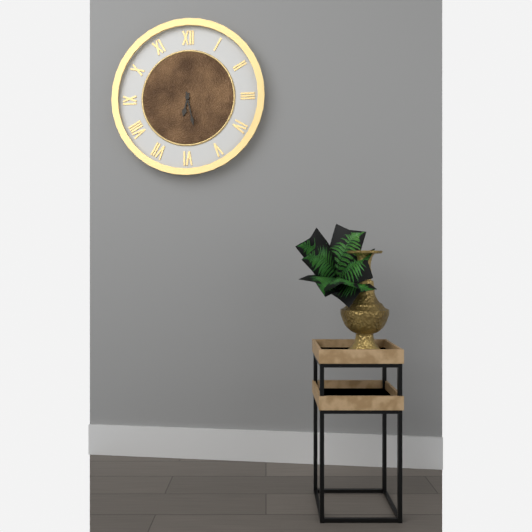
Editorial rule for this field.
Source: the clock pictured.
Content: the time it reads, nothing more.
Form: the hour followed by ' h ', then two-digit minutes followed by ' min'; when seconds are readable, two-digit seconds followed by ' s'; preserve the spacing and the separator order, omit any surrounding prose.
6 h 28 min
